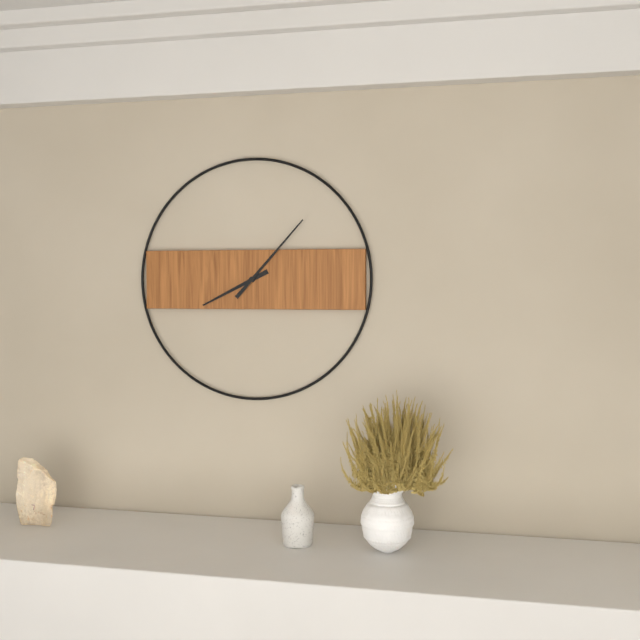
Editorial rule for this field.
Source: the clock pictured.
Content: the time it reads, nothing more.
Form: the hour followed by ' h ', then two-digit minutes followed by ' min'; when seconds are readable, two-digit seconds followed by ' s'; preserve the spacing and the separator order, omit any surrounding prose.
8 h 07 min
